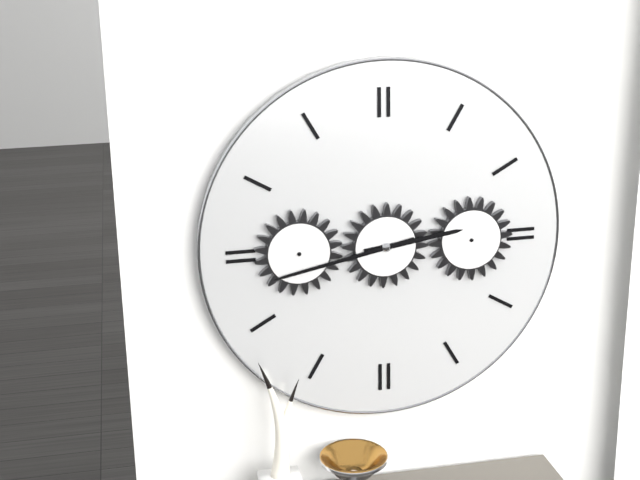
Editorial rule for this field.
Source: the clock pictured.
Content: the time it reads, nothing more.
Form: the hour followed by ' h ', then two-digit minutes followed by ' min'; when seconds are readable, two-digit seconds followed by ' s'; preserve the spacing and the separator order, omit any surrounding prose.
2 h 43 min
